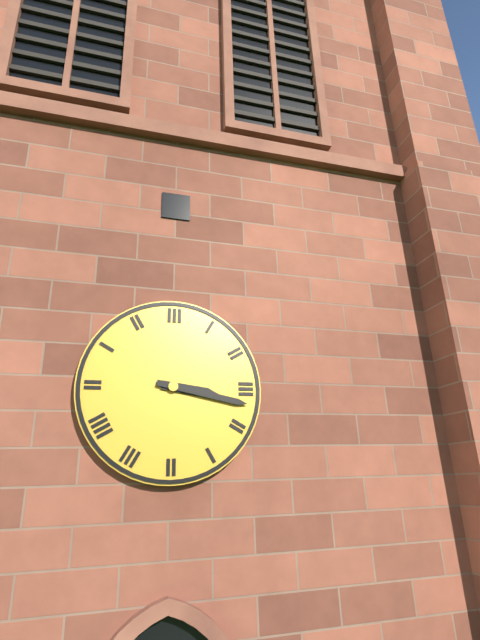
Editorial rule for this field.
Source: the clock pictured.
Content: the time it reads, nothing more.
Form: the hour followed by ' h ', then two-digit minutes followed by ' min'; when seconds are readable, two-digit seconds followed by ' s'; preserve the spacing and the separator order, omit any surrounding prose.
3 h 17 min
